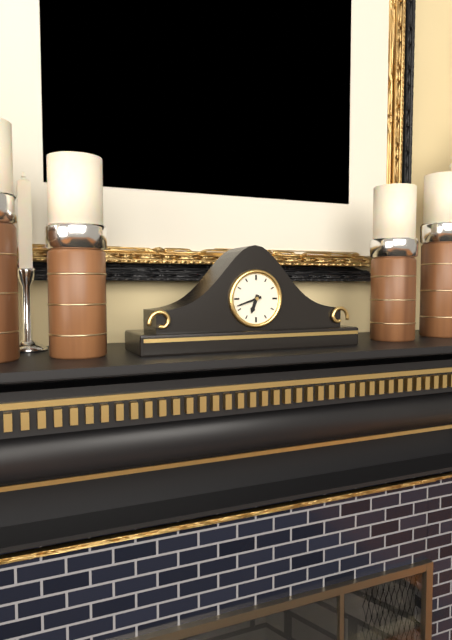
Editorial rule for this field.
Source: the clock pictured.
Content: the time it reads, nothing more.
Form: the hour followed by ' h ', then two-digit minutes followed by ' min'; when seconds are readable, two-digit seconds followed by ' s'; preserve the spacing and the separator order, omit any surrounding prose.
6 h 42 min
